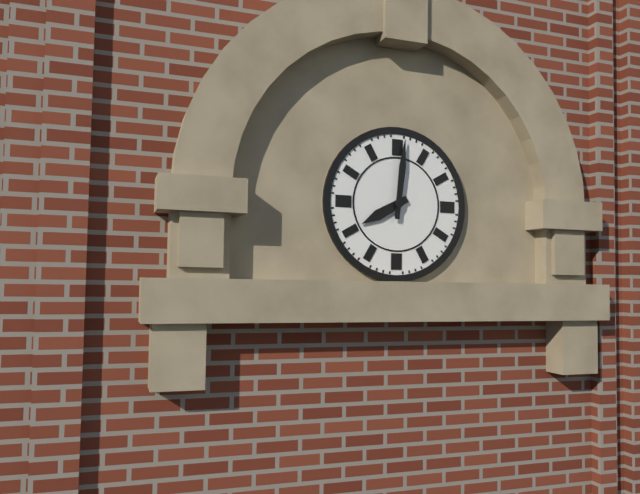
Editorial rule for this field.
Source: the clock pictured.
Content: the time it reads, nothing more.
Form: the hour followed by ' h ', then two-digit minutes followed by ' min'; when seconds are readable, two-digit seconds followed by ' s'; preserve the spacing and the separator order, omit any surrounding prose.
8 h 01 min
